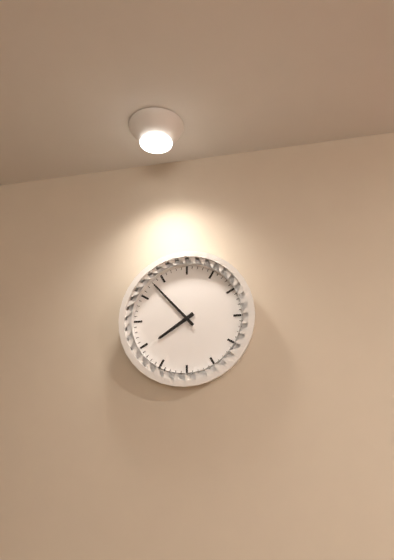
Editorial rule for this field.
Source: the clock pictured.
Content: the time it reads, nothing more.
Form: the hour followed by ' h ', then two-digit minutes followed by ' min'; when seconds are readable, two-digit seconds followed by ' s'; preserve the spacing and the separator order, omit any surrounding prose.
7 h 53 min
